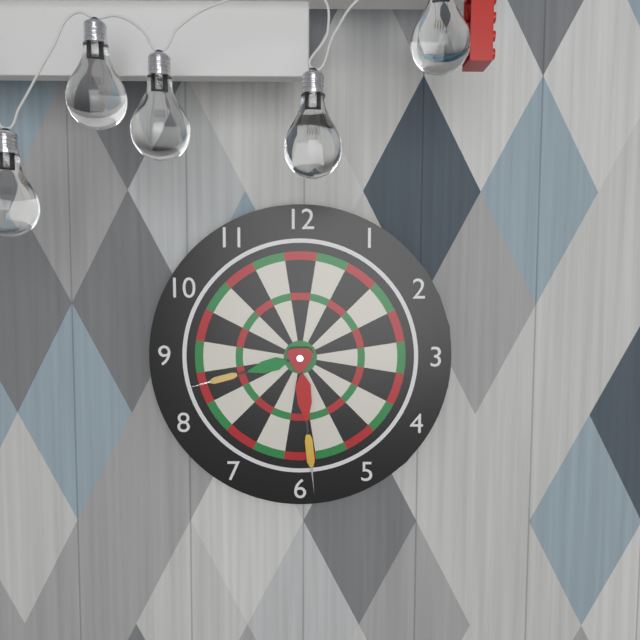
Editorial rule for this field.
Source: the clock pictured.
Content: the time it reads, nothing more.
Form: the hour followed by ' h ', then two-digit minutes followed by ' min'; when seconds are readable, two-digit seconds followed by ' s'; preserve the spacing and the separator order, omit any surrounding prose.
8 h 29 min
